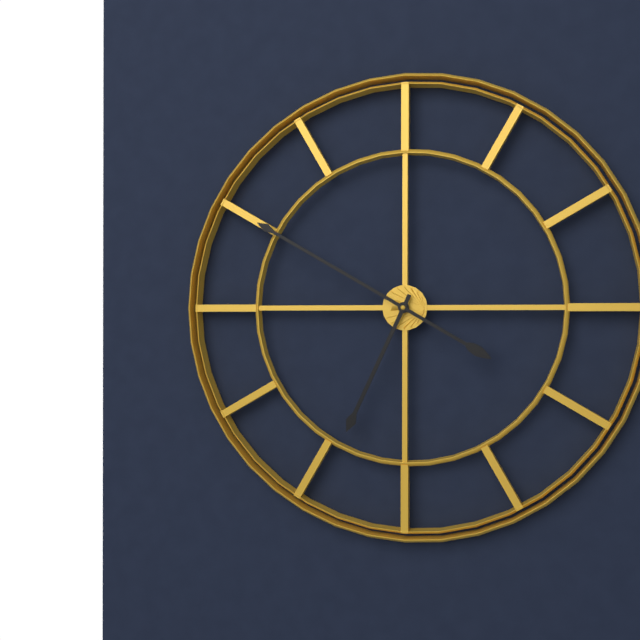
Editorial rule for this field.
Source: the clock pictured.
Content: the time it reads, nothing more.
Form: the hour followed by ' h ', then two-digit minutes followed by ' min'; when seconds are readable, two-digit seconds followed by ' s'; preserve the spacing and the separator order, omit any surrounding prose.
6 h 50 min
